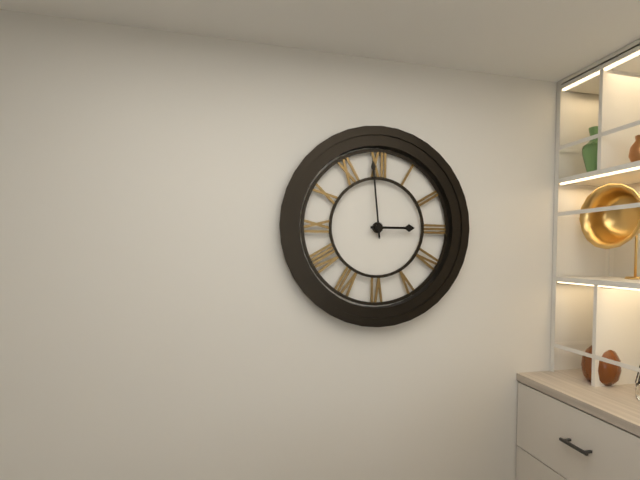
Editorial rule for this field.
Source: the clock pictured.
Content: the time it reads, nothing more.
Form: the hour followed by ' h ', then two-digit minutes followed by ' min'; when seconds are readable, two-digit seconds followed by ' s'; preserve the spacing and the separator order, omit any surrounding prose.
2 h 59 min
